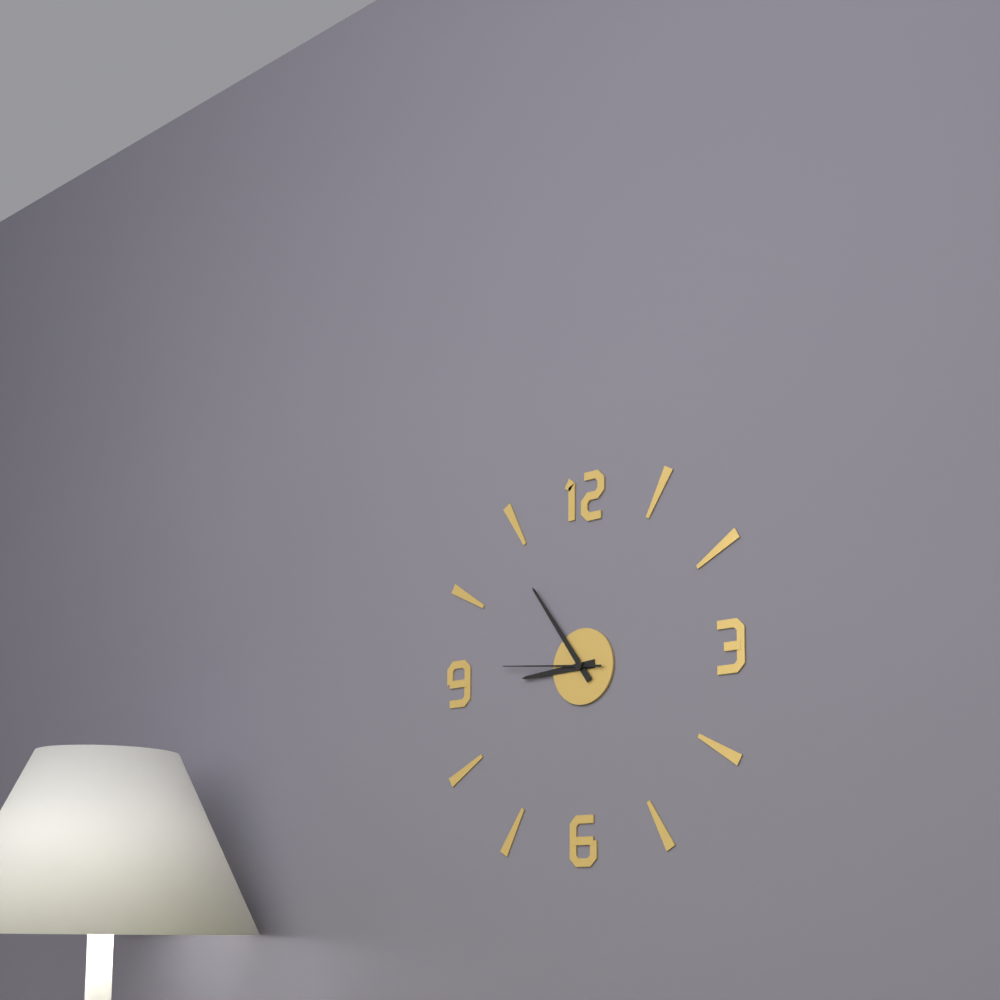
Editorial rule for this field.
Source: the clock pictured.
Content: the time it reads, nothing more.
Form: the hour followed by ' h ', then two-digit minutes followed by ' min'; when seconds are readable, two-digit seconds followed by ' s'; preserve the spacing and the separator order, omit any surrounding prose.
8 h 54 min 46 s
